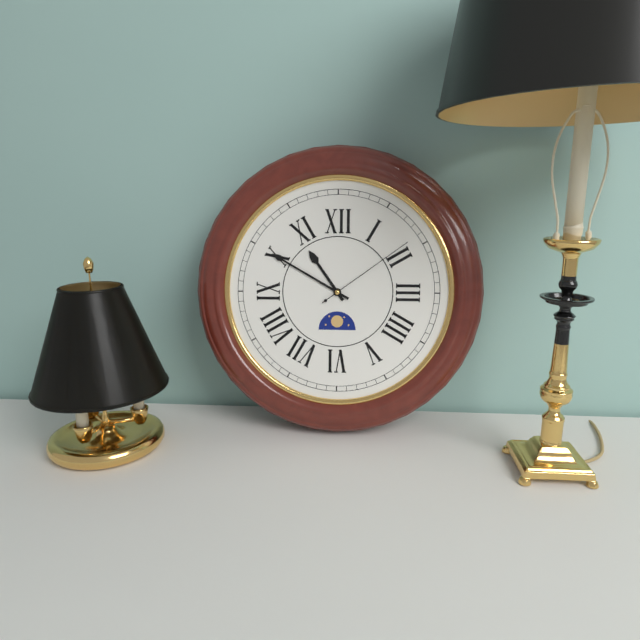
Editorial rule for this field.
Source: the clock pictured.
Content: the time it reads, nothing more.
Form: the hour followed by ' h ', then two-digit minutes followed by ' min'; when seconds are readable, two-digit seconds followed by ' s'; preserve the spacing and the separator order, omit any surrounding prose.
10 h 50 min 09 s
